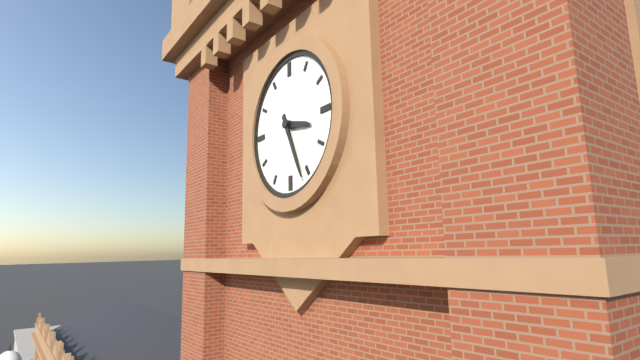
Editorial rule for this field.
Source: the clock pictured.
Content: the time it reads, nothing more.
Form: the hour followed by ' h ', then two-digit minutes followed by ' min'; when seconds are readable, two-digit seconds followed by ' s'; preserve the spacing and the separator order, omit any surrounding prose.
3 h 26 min
